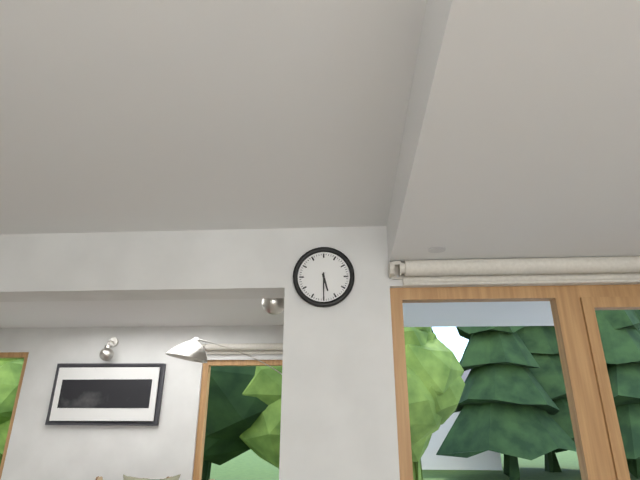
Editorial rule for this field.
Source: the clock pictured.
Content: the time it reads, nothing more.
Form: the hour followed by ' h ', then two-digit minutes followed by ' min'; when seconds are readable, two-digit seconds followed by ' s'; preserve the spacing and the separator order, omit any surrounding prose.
5 h 30 min
